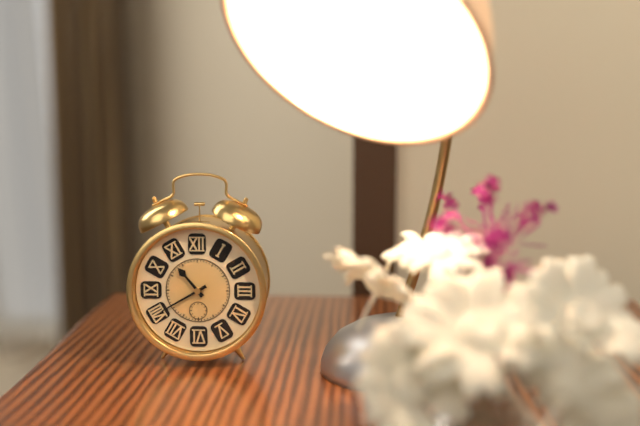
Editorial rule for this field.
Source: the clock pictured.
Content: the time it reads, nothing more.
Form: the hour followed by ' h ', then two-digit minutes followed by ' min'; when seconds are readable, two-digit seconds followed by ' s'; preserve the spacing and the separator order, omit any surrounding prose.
10 h 40 min
